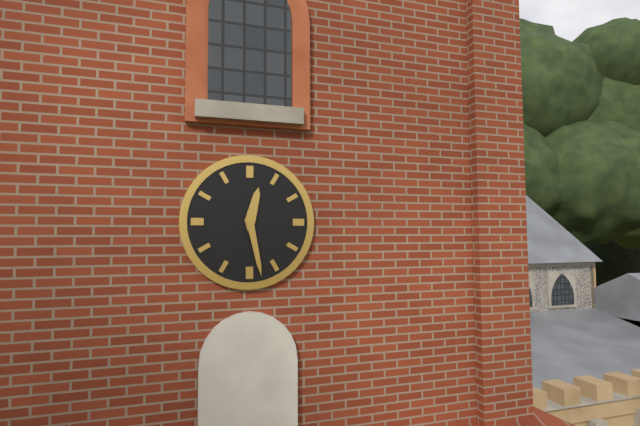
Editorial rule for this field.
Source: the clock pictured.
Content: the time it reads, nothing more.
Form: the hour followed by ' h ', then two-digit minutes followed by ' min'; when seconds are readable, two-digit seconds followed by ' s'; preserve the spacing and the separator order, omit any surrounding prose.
12 h 28 min
